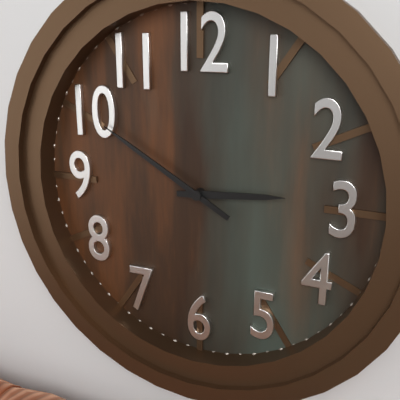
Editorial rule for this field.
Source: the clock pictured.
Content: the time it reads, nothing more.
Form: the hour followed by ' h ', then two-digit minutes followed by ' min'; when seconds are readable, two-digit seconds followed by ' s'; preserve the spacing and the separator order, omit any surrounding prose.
2 h 50 min
